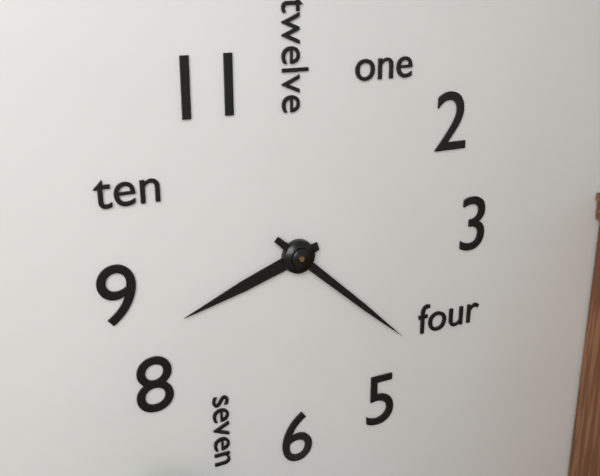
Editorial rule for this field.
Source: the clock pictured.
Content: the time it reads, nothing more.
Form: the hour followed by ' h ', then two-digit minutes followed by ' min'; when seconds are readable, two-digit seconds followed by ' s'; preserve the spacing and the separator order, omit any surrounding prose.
8 h 22 min
